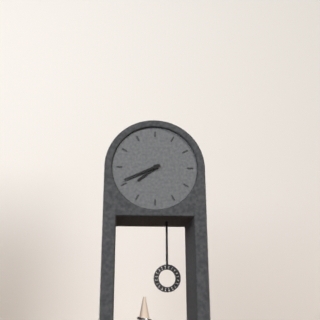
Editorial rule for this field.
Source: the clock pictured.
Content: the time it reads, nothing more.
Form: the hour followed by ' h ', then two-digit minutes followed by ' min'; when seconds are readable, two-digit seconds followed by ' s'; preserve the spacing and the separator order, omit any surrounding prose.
7 h 41 min
